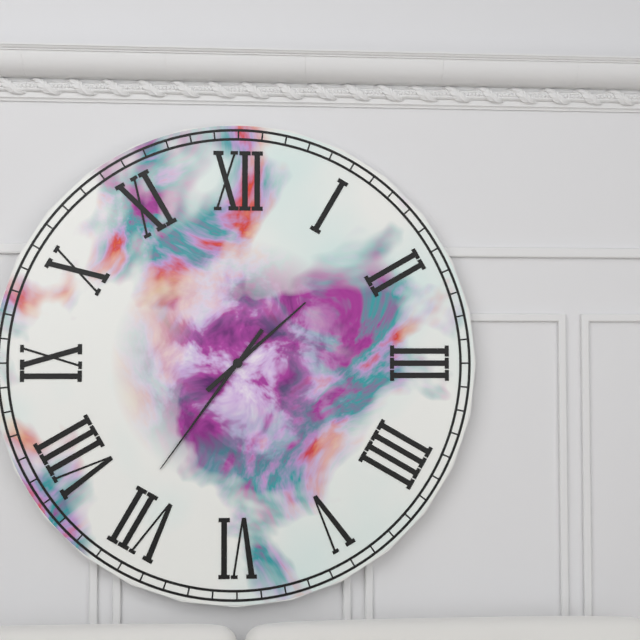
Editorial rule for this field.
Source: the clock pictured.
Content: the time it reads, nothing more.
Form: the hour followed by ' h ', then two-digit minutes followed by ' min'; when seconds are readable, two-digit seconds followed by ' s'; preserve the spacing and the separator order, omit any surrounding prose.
1 h 36 min
